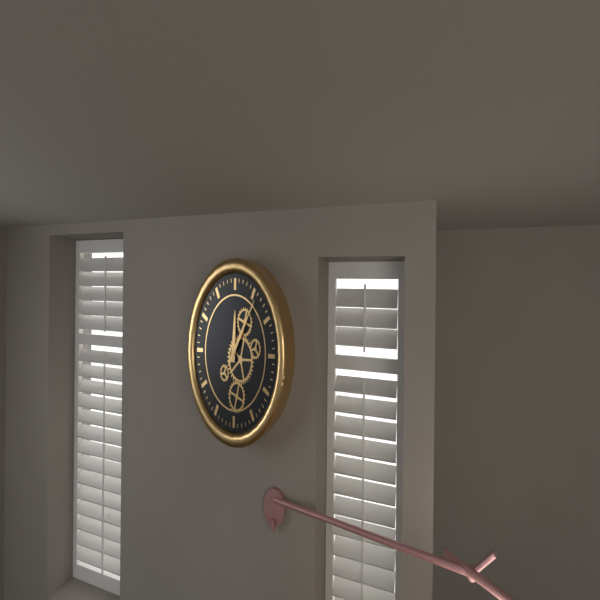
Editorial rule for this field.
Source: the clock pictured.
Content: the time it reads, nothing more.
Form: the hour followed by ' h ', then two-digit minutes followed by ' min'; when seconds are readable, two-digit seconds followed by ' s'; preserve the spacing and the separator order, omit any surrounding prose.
12 h 06 min
